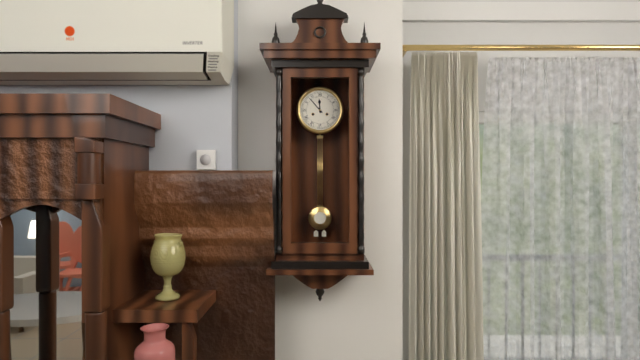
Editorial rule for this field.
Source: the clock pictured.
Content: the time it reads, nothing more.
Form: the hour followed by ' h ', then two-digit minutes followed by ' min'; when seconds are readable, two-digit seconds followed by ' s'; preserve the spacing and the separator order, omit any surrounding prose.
11 h 53 min
